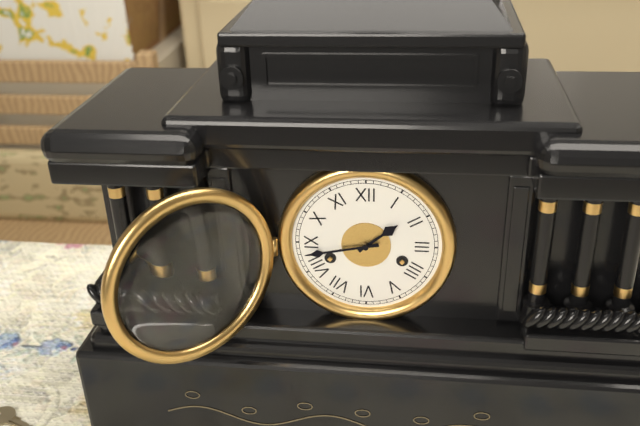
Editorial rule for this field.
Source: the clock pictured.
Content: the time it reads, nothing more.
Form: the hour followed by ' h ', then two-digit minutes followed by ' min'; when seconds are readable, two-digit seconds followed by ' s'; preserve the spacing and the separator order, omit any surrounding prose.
1 h 43 min
